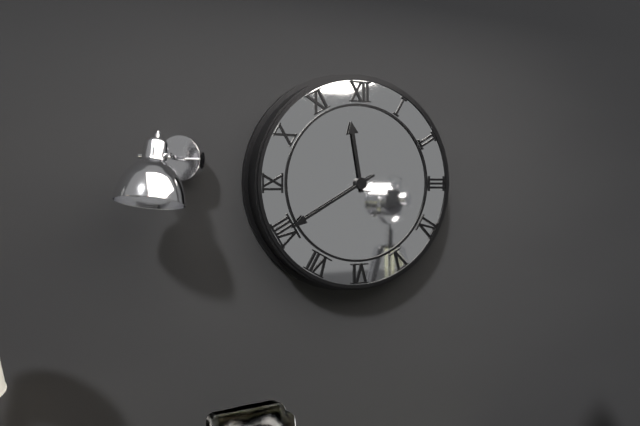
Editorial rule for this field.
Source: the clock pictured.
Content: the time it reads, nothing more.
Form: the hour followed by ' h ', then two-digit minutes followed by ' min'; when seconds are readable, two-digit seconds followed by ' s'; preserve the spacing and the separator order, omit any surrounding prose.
11 h 40 min
